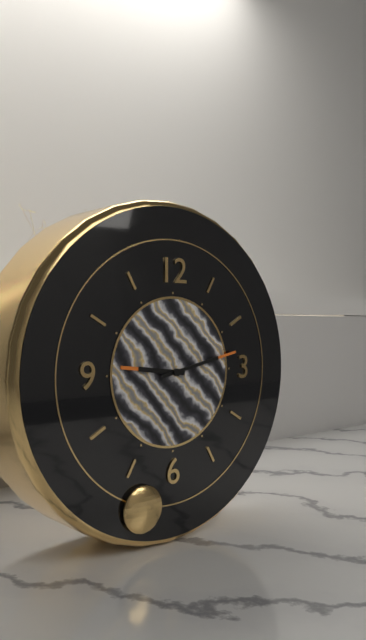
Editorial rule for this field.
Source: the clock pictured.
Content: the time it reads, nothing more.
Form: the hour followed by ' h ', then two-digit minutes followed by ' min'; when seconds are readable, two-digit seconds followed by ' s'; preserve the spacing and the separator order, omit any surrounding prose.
9 h 13 min
